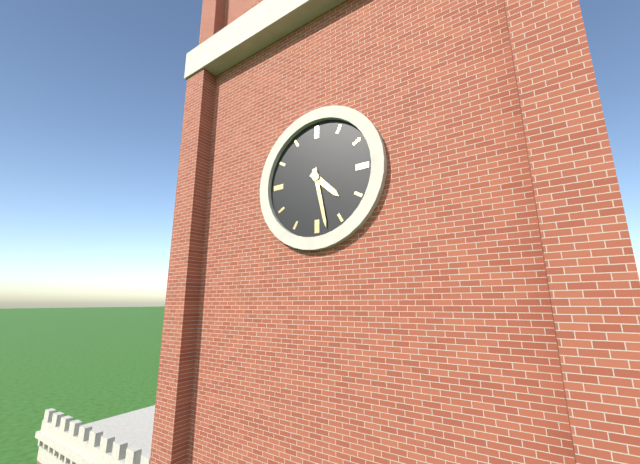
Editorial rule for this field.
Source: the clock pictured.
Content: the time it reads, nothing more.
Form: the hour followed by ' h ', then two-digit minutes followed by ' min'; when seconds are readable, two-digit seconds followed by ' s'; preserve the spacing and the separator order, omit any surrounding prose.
4 h 28 min
